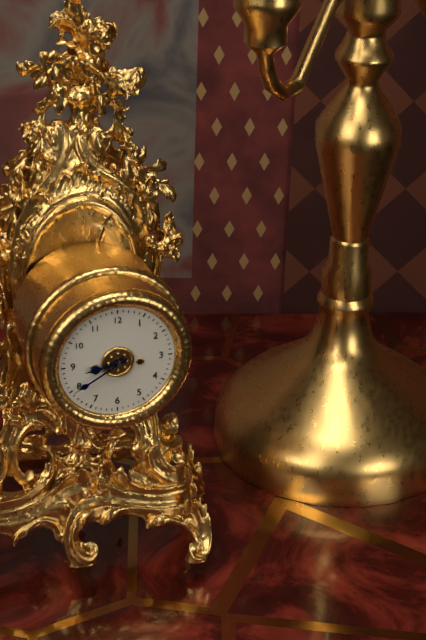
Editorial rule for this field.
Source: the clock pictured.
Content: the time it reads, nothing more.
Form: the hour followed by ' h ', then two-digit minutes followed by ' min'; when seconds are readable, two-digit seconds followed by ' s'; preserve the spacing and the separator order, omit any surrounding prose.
8 h 40 min
